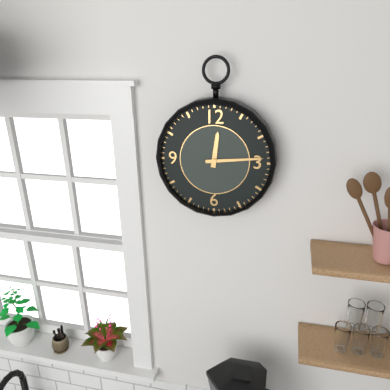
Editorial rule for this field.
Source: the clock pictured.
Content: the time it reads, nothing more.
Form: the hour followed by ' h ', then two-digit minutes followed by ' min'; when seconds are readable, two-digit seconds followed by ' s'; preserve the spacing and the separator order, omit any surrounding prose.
12 h 14 min
